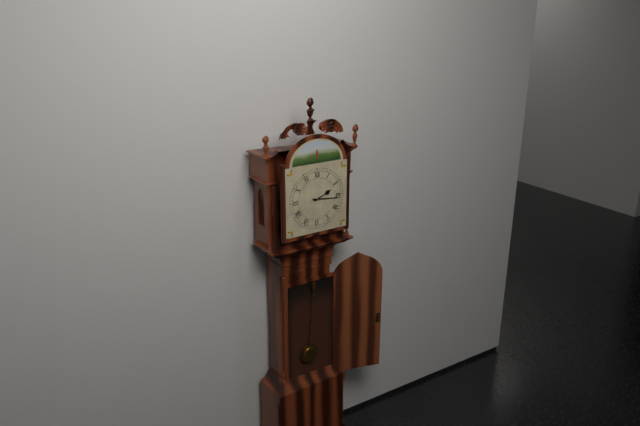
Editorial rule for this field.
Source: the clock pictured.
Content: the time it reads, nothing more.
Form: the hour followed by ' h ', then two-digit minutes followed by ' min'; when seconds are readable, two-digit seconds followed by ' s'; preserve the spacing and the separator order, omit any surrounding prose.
2 h 16 min
